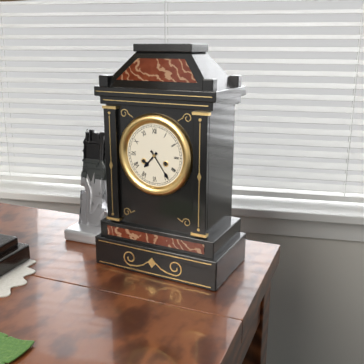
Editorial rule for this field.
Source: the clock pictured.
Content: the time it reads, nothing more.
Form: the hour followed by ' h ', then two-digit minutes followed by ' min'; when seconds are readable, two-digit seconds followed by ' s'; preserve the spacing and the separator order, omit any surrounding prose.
7 h 24 min
